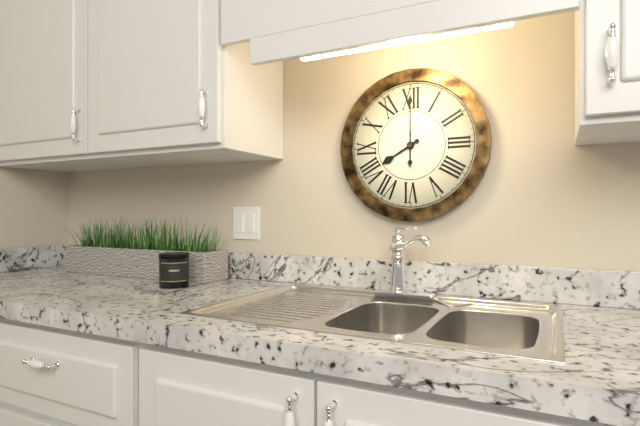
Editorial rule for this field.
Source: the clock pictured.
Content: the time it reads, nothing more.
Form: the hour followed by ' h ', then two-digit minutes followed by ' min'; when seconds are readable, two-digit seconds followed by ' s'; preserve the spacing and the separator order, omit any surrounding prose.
8 h 00 min
